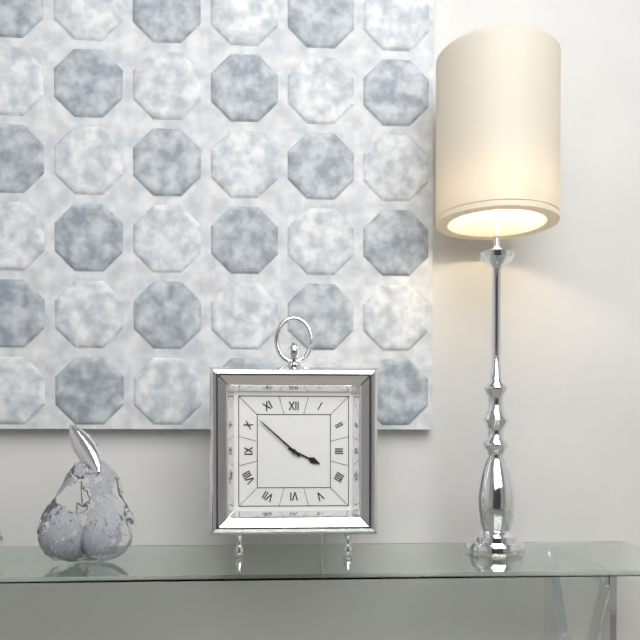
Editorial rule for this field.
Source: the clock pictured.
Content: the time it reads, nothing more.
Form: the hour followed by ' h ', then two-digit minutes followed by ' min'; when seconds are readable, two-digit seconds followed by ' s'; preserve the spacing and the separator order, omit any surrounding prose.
3 h 52 min
